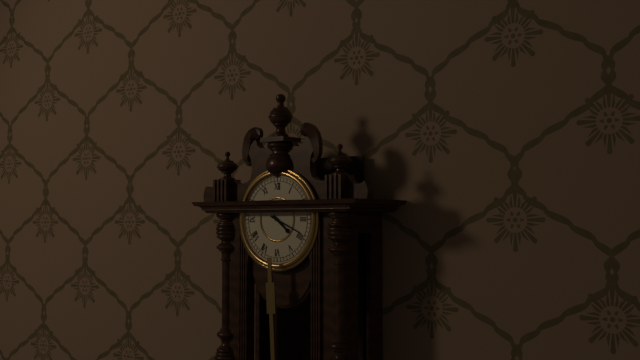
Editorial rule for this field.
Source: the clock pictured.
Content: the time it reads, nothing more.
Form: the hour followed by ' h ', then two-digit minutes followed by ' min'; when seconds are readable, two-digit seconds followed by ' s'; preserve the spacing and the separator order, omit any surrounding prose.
4 h 19 min
